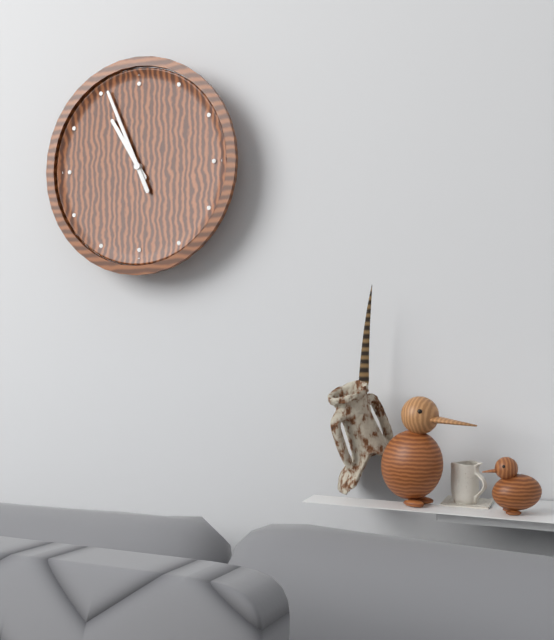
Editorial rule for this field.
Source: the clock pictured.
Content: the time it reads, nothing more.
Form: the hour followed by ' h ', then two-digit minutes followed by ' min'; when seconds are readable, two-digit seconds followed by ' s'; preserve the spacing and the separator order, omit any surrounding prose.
10 h 56 min
